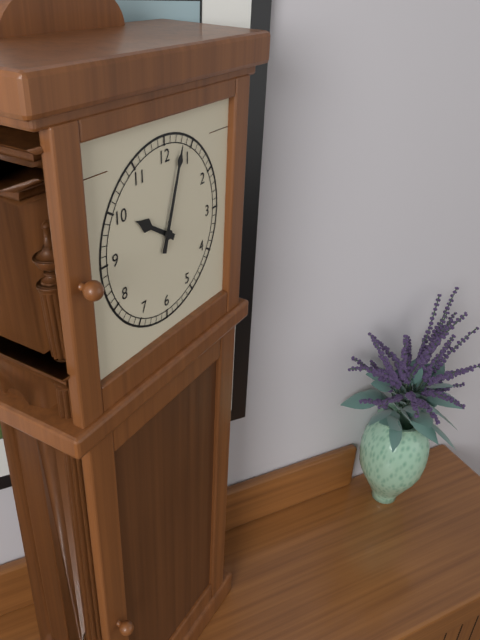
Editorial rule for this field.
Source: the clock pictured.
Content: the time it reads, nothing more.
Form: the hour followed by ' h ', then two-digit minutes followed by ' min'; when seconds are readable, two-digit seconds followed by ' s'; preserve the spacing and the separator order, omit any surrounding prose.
10 h 03 min
